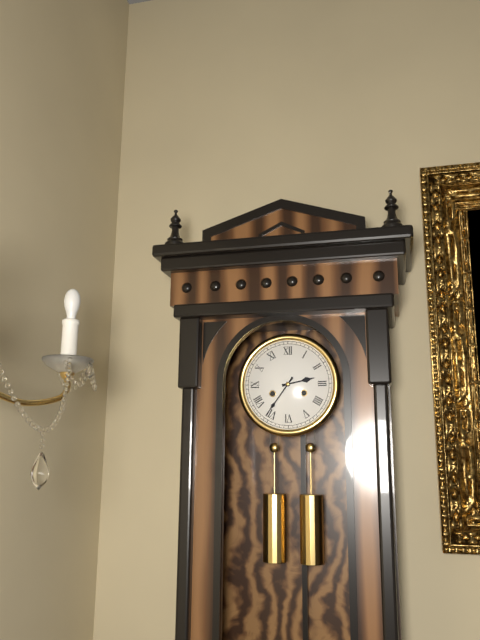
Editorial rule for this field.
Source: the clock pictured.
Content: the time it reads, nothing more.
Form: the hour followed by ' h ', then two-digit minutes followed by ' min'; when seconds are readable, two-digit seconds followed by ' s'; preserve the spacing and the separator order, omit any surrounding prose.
2 h 36 min
